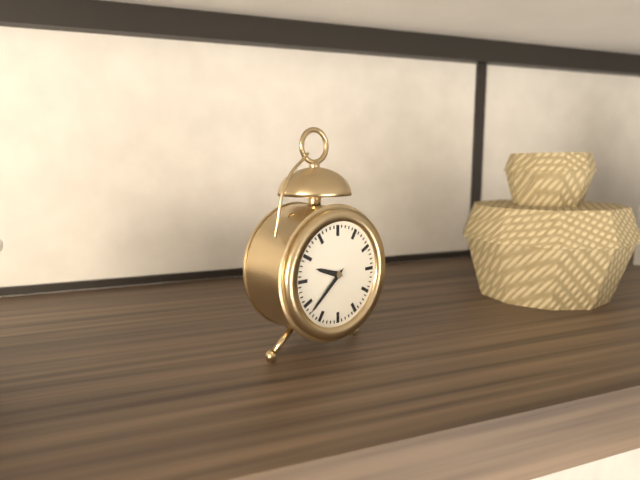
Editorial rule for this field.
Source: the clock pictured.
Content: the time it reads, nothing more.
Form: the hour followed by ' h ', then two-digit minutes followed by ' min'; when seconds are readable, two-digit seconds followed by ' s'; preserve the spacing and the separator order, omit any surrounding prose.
9 h 38 min
